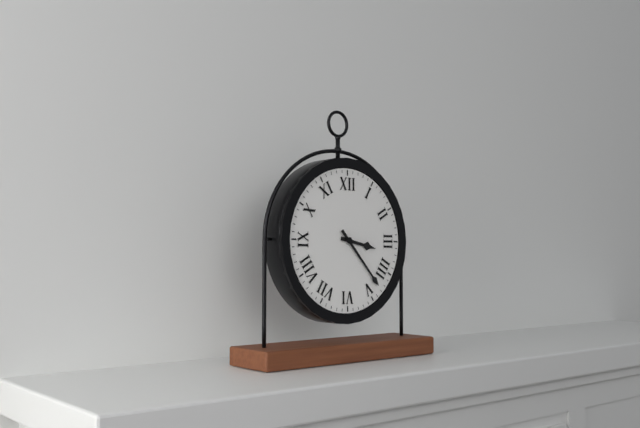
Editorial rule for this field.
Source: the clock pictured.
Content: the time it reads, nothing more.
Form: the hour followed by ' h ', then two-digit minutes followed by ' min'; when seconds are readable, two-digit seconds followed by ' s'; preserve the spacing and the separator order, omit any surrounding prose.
3 h 23 min
